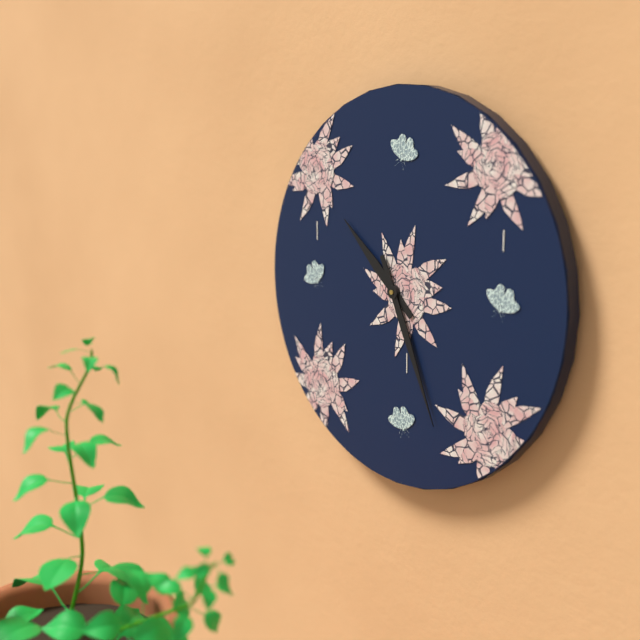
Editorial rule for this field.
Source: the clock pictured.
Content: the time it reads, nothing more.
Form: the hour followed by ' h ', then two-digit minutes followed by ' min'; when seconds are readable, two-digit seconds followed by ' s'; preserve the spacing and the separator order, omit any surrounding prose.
10 h 26 min
